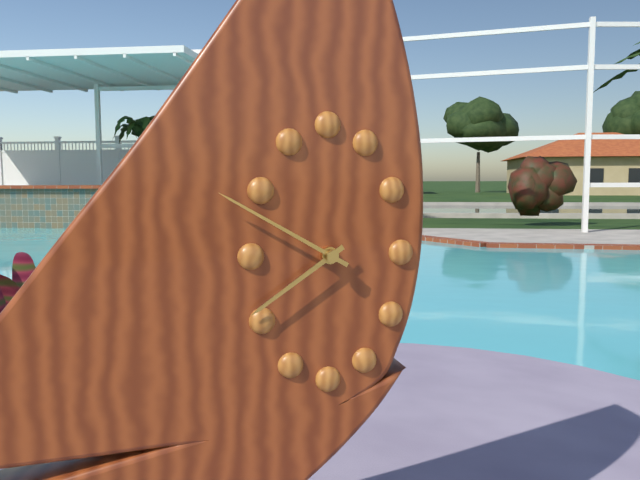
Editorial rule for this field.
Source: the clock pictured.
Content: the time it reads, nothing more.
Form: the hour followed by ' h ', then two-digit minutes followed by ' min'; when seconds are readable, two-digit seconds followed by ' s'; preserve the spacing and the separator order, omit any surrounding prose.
7 h 50 min
